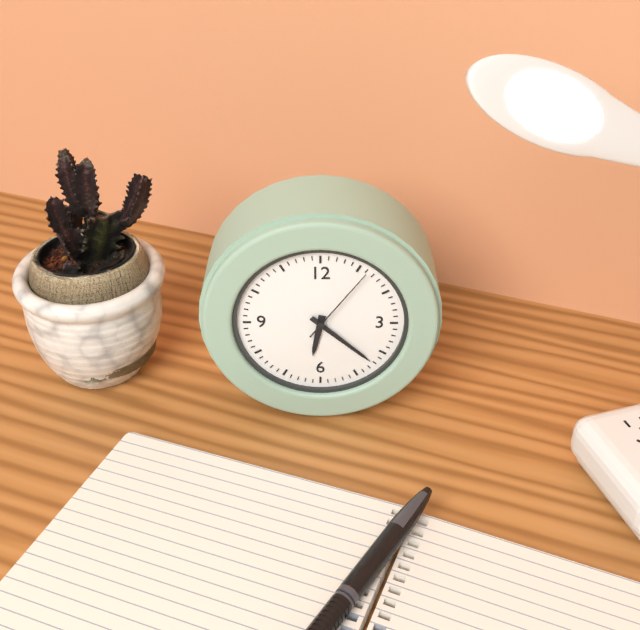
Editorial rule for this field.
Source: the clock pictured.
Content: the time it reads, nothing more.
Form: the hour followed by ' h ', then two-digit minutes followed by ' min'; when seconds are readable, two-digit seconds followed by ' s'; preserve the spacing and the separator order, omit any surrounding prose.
6 h 22 min 06 s
